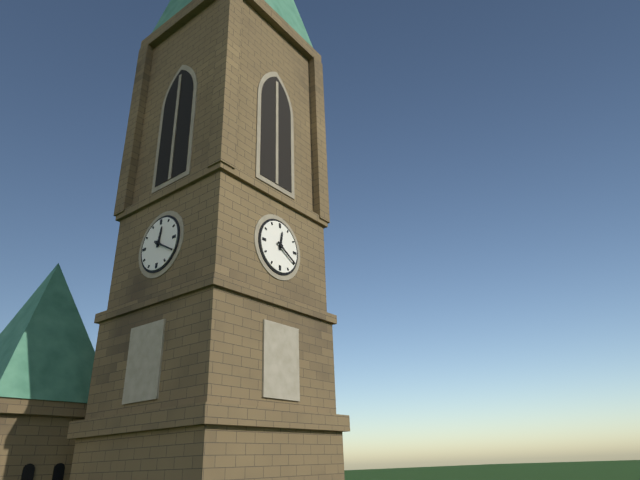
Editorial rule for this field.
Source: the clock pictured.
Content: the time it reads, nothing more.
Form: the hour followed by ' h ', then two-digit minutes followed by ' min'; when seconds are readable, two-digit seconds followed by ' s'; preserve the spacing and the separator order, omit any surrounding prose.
12 h 20 min
